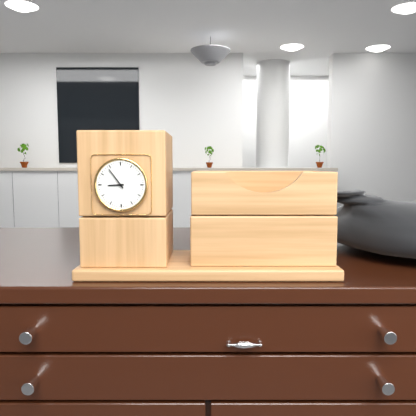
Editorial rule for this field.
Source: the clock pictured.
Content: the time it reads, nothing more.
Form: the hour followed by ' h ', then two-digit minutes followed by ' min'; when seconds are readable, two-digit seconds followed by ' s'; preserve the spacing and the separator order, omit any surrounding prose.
8 h 54 min
